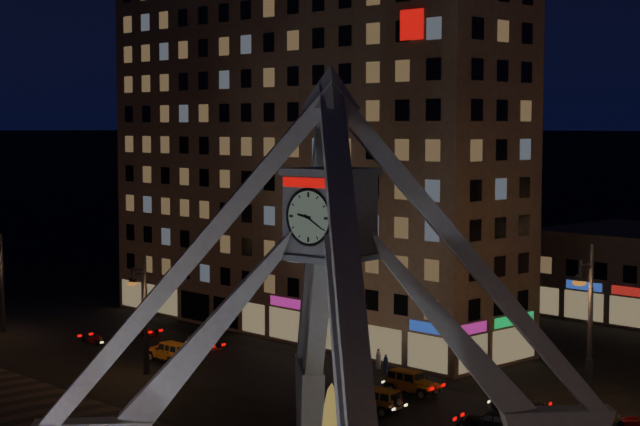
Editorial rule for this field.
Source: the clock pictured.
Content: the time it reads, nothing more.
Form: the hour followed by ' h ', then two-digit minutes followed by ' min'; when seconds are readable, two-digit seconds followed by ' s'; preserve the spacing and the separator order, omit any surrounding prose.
9 h 20 min
